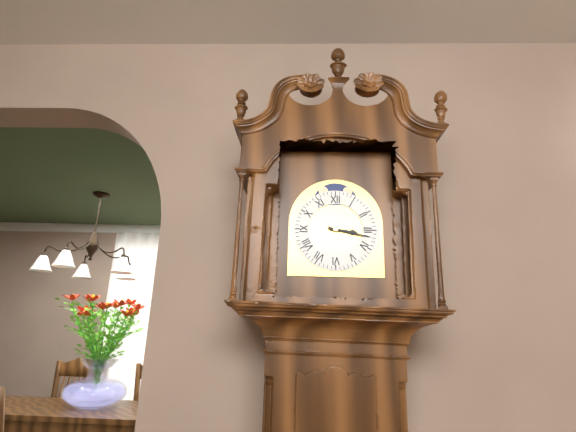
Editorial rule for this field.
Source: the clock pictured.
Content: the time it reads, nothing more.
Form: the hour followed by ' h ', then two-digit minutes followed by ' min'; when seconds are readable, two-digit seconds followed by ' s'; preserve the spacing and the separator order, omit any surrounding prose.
3 h 17 min
